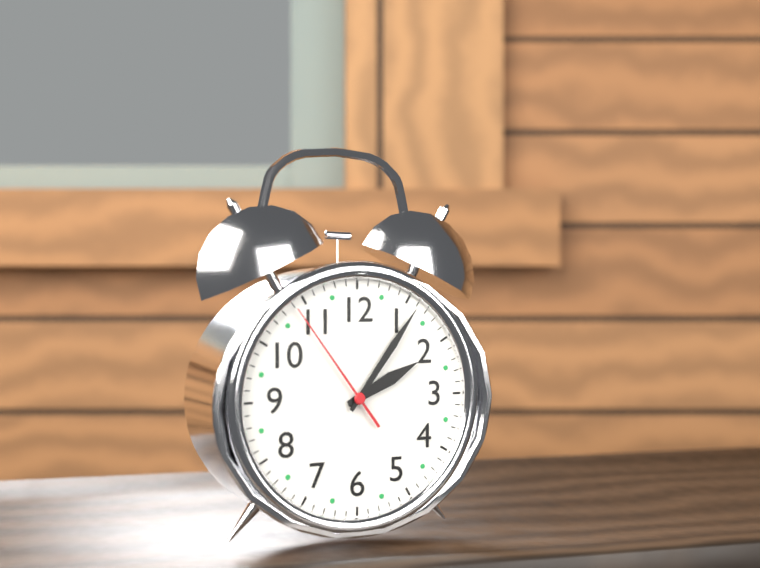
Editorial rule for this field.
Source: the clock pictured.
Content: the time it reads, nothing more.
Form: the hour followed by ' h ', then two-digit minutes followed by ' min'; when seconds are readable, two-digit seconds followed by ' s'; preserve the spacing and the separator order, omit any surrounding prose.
2 h 06 min 54 s
